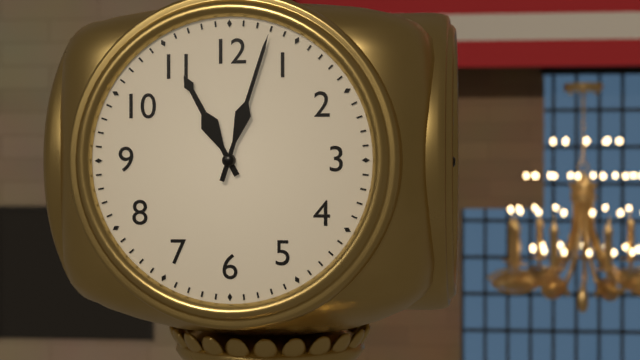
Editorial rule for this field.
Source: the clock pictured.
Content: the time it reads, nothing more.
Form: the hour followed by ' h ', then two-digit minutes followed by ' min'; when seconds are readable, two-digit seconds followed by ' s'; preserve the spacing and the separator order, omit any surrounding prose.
11 h 03 min
